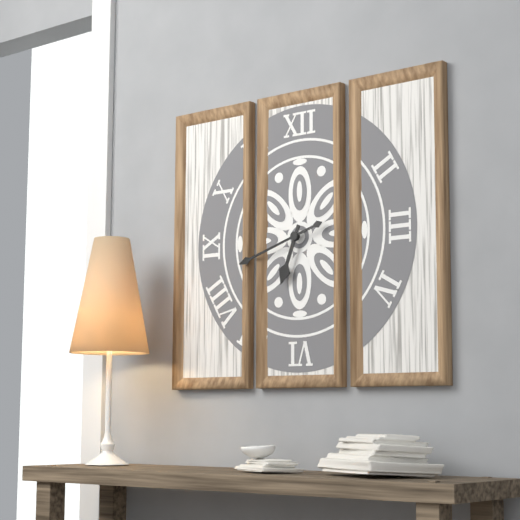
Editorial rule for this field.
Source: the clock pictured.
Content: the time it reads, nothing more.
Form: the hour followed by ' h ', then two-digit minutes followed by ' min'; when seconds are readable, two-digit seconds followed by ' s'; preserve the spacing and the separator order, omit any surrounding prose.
6 h 42 min
